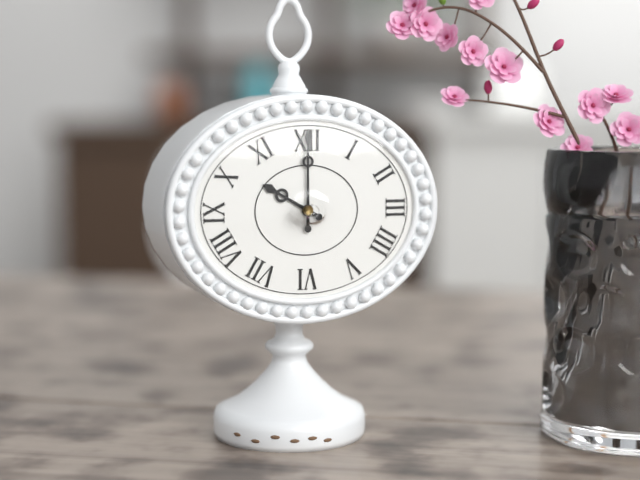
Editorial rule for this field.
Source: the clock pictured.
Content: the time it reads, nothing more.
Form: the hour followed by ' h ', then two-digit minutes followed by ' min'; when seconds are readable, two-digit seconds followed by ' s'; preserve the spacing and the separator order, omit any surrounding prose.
10 h 00 min
